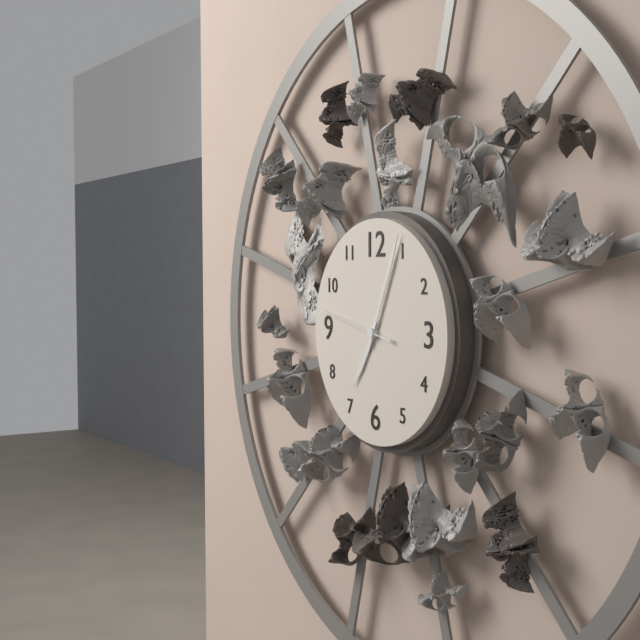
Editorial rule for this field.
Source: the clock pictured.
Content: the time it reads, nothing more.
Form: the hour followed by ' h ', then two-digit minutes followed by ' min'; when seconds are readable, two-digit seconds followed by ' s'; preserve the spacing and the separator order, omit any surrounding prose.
7 h 04 min 47 s
